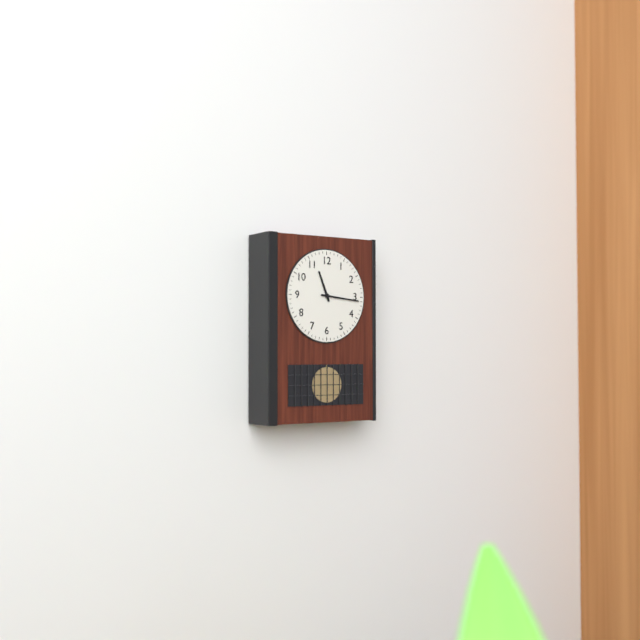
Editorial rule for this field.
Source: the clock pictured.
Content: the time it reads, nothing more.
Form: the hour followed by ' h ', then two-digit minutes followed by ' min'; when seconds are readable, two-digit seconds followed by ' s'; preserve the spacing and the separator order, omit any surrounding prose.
11 h 16 min
